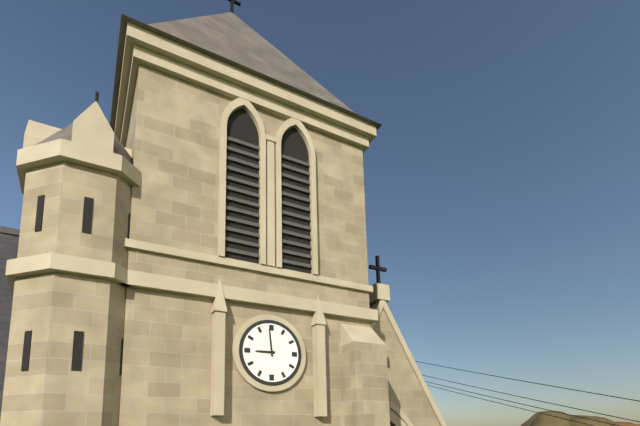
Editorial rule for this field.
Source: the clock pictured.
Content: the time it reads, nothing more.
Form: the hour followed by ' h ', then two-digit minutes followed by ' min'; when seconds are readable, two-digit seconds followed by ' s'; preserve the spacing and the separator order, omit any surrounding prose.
8 h 59 min
